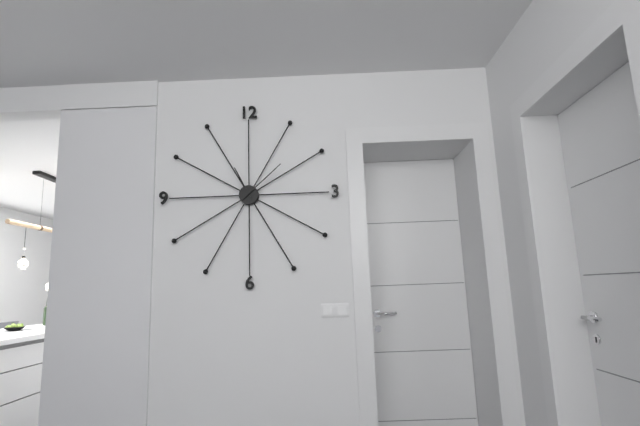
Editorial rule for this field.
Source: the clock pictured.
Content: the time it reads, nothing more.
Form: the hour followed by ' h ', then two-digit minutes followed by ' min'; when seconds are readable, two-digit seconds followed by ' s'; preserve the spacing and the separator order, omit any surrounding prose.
11 h 08 min
